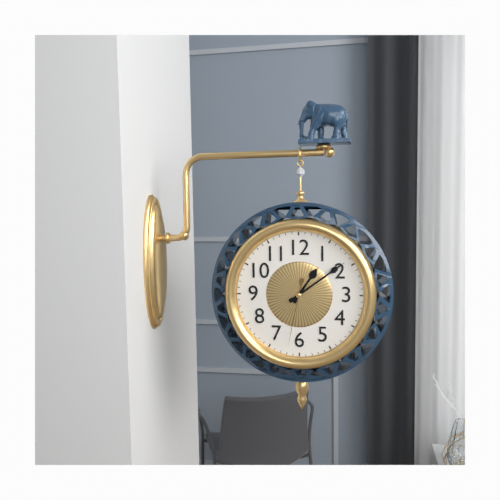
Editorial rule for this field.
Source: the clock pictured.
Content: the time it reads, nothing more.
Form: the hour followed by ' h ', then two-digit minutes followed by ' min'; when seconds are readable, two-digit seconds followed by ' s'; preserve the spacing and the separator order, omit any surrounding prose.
1 h 09 min 32 s
